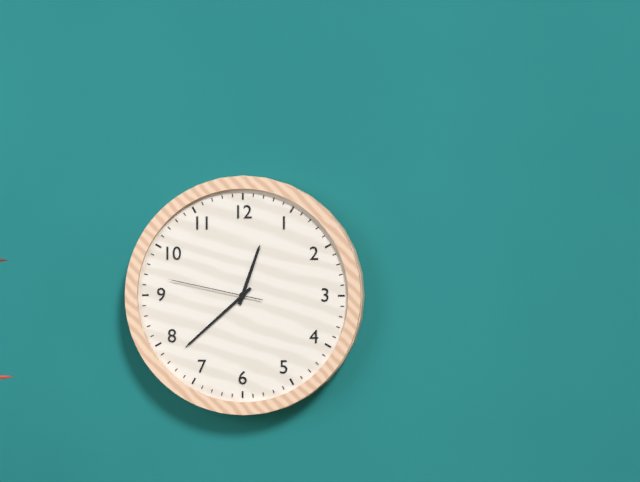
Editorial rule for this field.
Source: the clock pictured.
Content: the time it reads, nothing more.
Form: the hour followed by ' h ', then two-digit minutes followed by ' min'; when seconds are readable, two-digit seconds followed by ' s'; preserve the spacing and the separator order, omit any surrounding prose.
12 h 38 min 47 s
